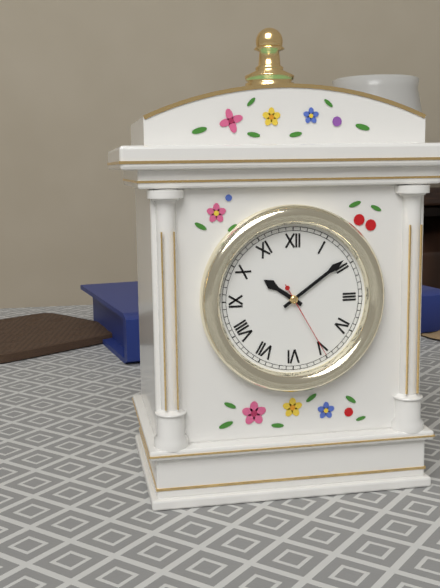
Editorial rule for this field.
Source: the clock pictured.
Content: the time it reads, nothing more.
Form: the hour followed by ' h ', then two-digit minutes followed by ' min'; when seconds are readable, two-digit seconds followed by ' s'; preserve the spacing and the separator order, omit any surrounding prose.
10 h 09 min 25 s
